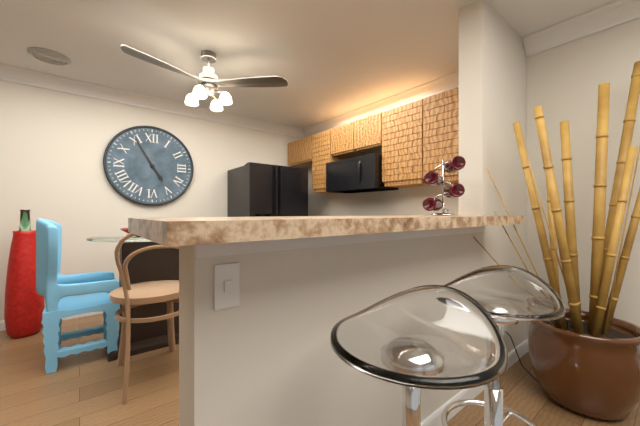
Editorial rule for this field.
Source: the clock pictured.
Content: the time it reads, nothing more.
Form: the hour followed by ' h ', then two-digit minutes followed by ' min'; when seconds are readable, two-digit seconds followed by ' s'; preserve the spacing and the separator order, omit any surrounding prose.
4 h 55 min
